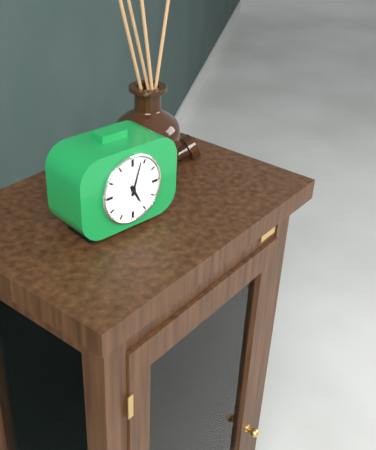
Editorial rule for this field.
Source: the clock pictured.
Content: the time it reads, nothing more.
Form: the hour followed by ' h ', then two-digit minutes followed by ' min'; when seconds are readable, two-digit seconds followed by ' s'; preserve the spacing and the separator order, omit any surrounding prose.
5 h 03 min
